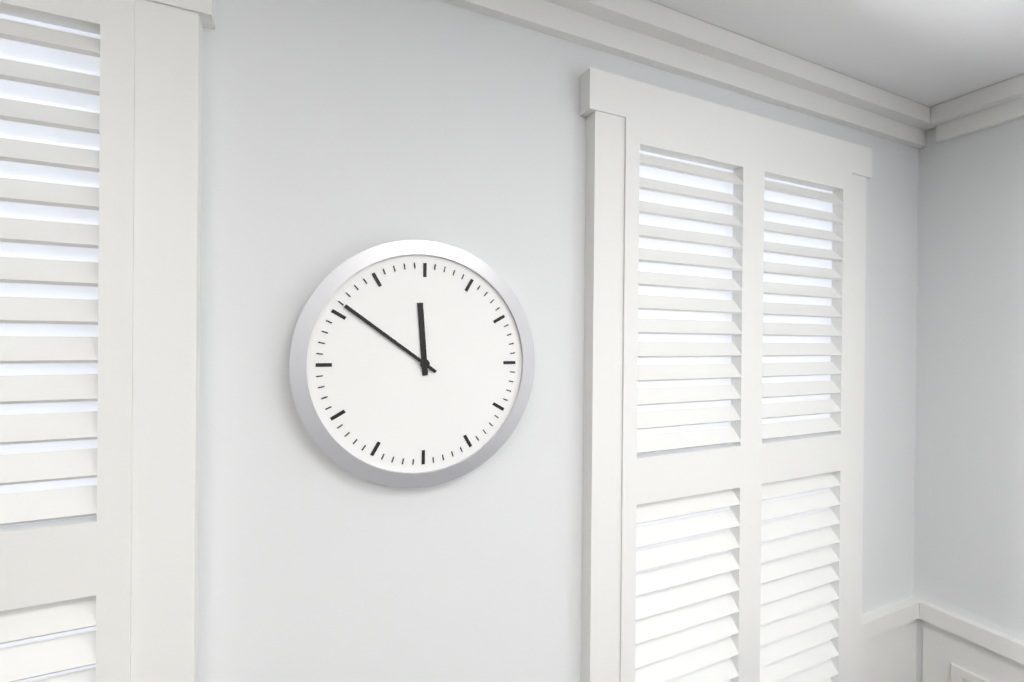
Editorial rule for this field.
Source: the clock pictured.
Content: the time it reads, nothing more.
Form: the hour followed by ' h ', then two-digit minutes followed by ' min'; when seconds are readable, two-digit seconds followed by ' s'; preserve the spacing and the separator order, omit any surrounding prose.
11 h 51 min
